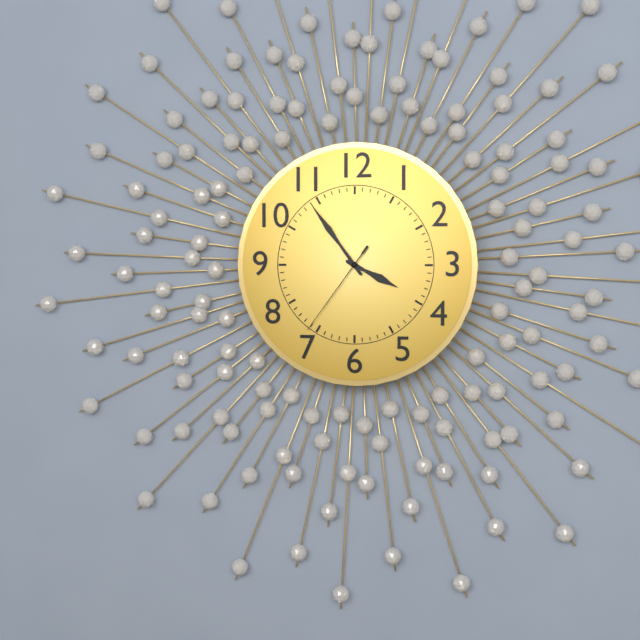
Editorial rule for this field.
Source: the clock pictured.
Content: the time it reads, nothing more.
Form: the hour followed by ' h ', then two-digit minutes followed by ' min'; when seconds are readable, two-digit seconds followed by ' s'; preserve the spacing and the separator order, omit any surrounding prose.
3 h 54 min 36 s
